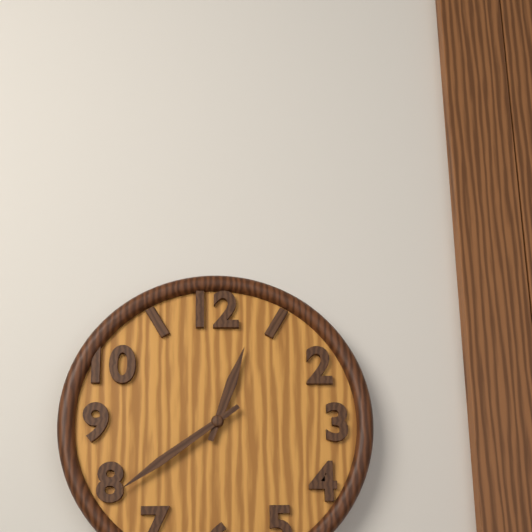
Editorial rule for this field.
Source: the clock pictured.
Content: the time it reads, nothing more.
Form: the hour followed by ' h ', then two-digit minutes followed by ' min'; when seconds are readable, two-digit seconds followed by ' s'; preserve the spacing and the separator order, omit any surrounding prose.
12 h 39 min
